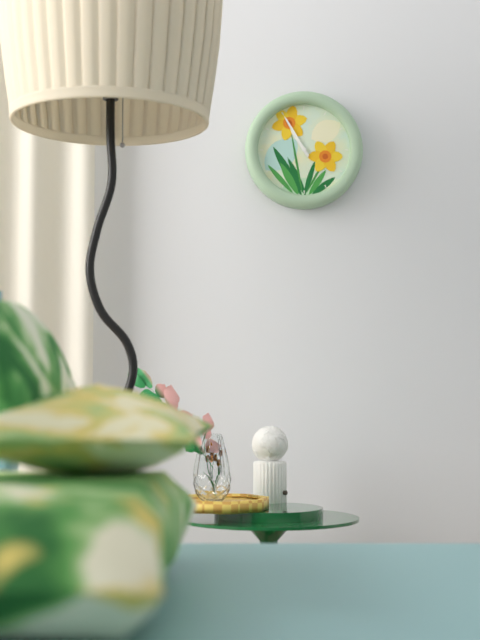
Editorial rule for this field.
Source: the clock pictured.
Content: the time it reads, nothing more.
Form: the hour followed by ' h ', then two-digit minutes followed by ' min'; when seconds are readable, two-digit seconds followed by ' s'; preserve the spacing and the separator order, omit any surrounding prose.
10 h 55 min
